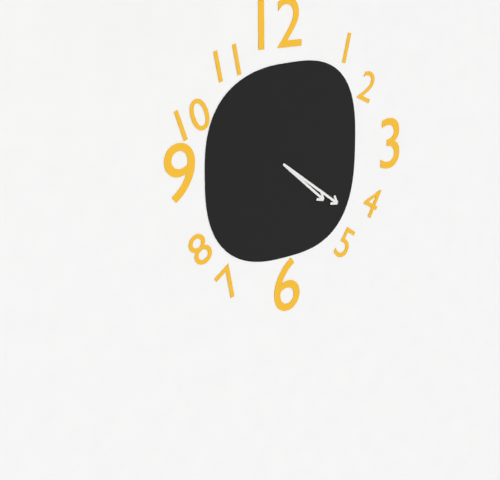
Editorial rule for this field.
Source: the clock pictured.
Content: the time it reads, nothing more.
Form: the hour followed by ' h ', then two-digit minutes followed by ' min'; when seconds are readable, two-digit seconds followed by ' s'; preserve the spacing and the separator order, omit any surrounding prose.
4 h 21 min
